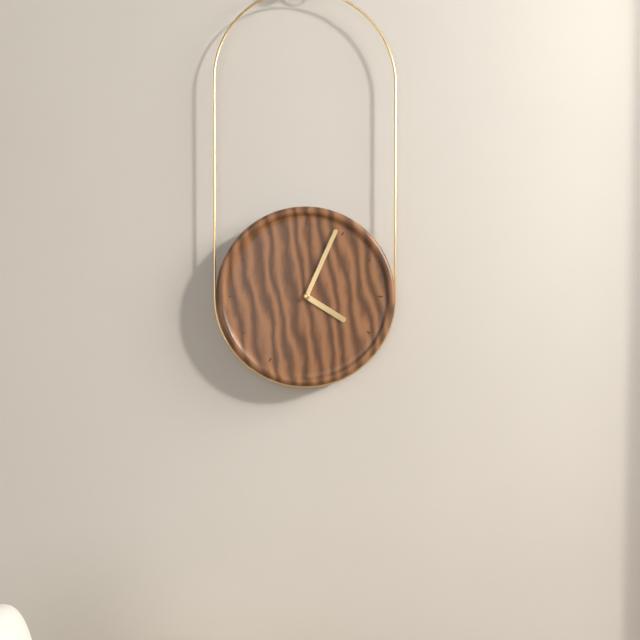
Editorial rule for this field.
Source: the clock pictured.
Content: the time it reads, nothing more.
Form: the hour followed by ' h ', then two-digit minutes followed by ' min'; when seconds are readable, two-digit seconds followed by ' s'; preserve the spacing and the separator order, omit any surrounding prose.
4 h 04 min
